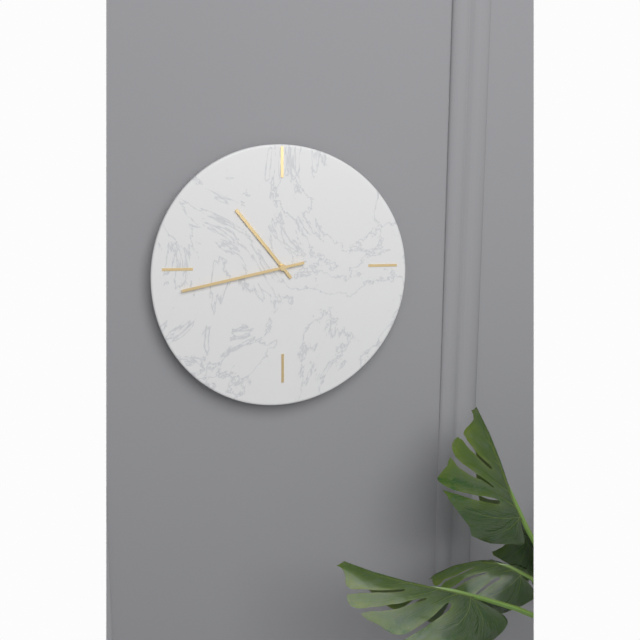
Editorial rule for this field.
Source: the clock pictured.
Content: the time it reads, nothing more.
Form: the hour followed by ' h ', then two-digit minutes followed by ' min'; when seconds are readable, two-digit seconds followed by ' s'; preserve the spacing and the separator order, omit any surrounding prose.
10 h 43 min
